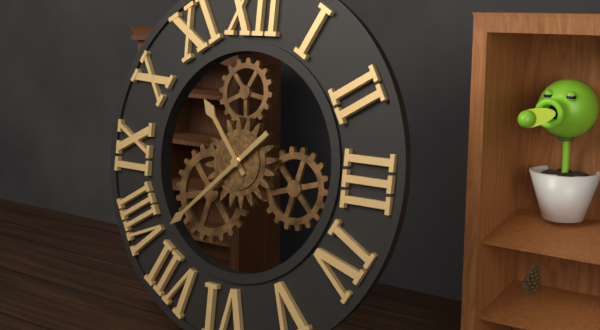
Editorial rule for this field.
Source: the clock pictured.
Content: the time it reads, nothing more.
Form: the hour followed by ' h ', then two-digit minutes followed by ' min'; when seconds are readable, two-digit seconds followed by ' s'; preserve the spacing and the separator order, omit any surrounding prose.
10 h 38 min
